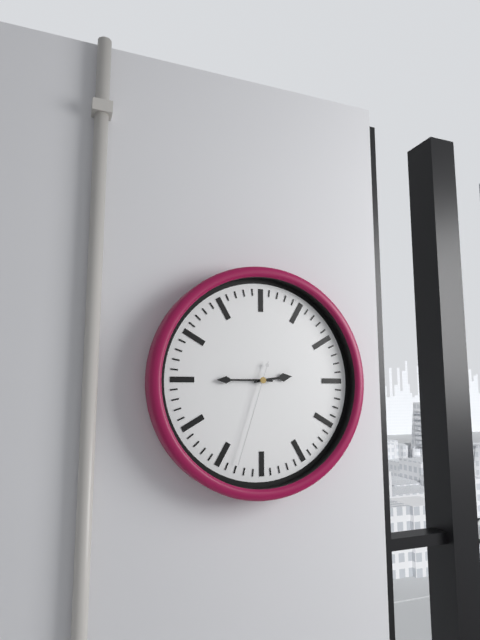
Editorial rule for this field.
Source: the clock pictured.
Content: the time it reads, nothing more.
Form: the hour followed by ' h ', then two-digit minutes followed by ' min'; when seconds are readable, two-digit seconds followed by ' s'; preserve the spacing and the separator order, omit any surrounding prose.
2 h 45 min 33 s
